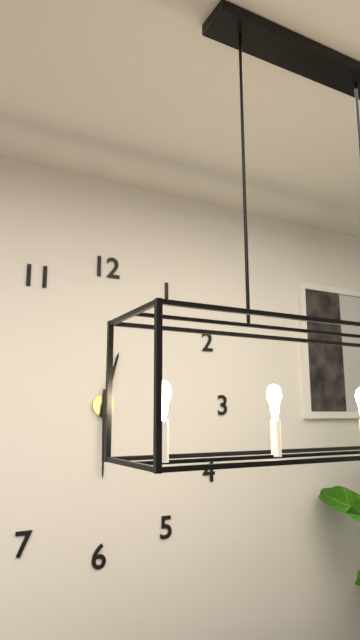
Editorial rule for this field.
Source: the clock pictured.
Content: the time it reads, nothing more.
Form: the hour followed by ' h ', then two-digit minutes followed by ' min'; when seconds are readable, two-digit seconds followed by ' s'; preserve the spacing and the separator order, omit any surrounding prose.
12 h 30 min
